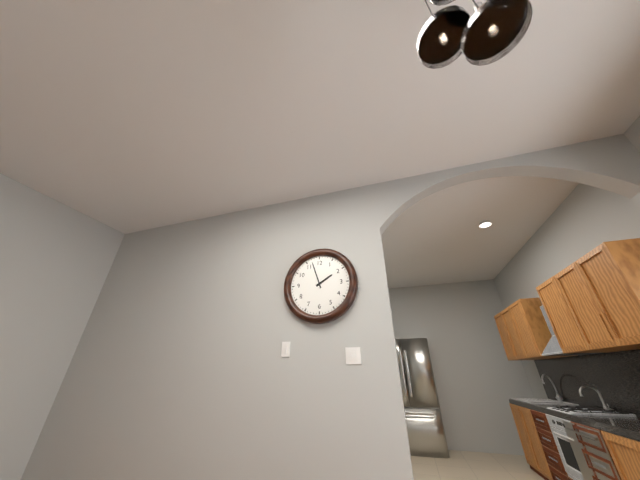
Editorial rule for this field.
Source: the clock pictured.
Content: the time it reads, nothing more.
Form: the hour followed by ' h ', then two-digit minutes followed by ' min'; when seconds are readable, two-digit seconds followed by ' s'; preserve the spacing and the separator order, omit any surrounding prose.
1 h 57 min
